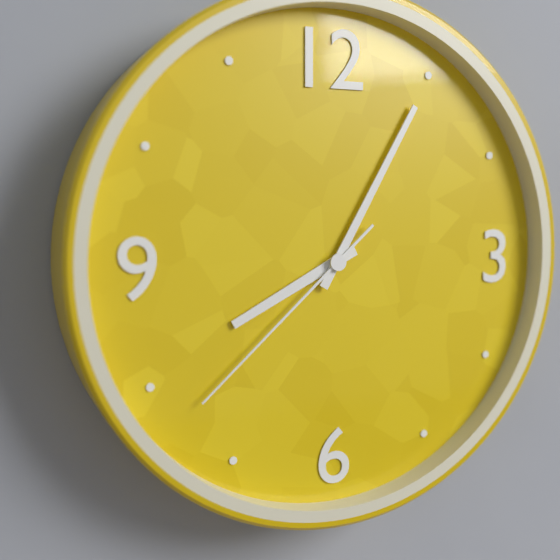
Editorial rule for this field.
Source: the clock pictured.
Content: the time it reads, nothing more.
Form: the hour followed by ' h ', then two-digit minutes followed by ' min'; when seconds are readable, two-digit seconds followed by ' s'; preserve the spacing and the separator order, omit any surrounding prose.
8 h 05 min 38 s
